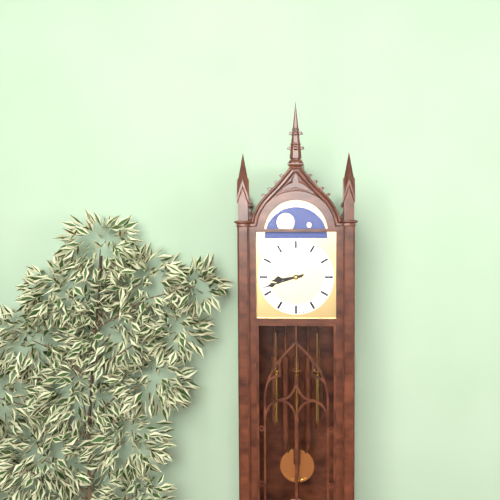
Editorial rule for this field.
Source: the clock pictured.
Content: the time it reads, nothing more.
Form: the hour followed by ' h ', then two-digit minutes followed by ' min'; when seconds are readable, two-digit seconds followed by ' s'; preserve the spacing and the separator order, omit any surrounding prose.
8 h 42 min
